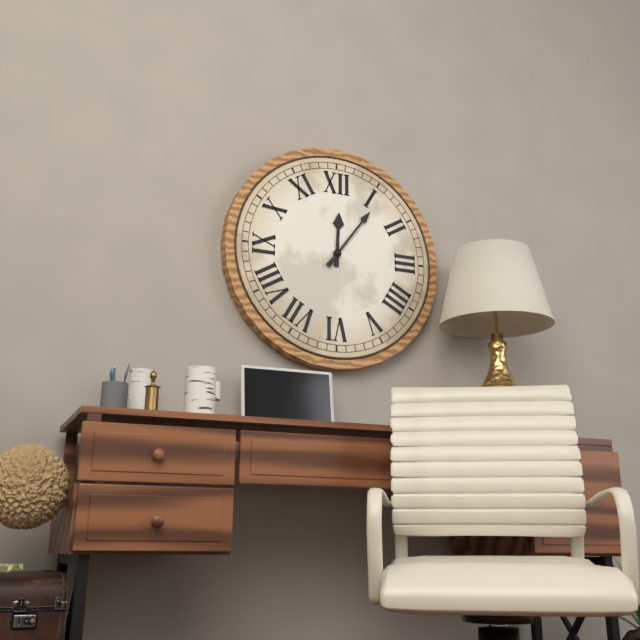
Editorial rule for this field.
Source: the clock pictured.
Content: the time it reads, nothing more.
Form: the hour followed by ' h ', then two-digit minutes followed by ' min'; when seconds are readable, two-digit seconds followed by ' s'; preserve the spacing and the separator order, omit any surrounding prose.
12 h 06 min
